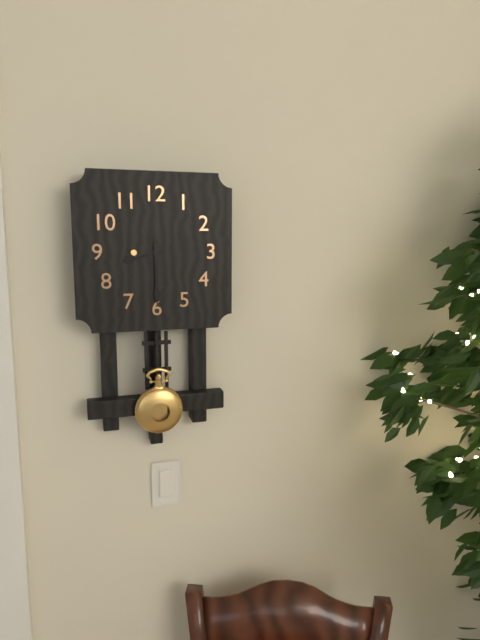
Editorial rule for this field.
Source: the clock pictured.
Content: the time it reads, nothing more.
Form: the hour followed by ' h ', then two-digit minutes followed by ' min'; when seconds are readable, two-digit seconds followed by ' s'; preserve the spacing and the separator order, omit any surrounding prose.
8 h 30 min
